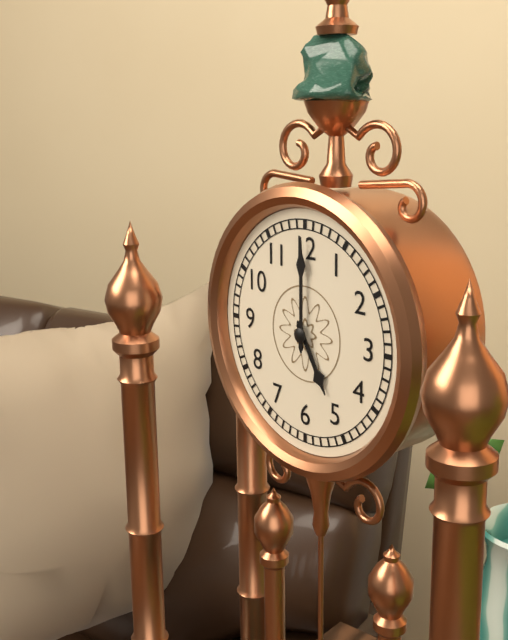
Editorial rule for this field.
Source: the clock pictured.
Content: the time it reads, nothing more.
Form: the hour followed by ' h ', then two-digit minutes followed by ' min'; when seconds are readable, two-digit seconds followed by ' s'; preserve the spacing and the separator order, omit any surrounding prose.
5 h 00 min
